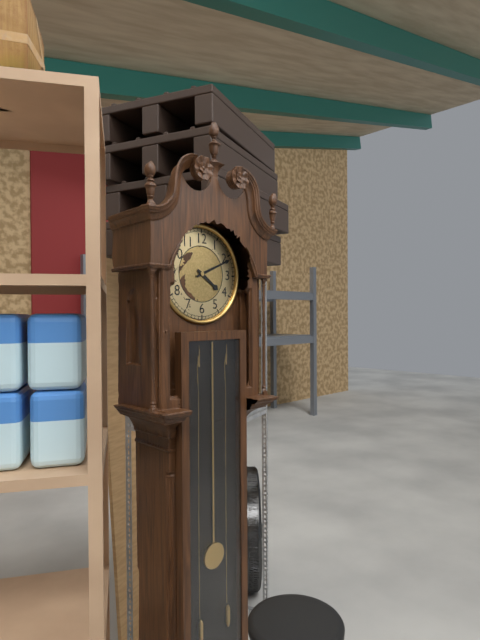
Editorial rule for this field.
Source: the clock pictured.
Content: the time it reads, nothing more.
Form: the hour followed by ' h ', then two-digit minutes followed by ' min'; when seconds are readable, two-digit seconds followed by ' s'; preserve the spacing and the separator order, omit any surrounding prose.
4 h 11 min
